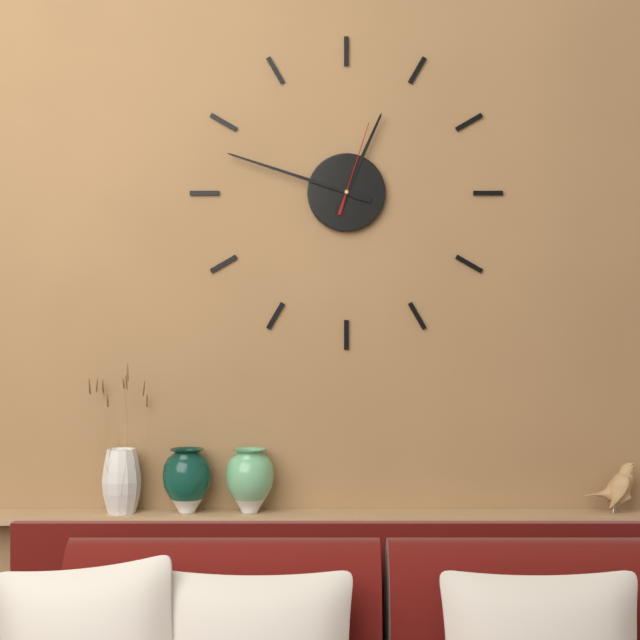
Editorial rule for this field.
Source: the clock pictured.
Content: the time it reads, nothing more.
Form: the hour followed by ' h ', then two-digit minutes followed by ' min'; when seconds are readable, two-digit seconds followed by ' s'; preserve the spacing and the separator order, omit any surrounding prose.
12 h 48 min 03 s
